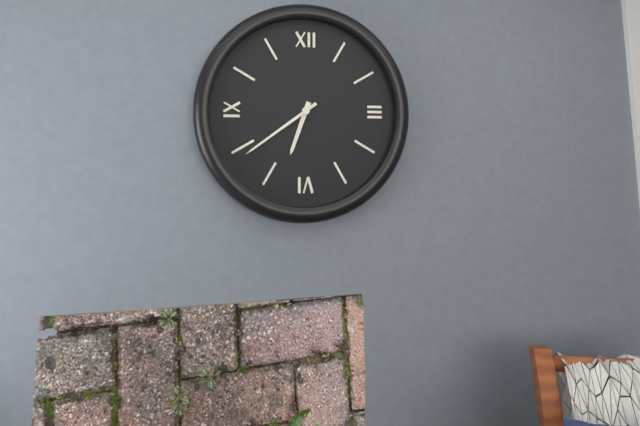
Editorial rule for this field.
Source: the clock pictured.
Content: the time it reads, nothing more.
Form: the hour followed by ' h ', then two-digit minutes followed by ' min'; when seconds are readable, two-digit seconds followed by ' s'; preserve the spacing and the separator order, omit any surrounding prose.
6 h 39 min
